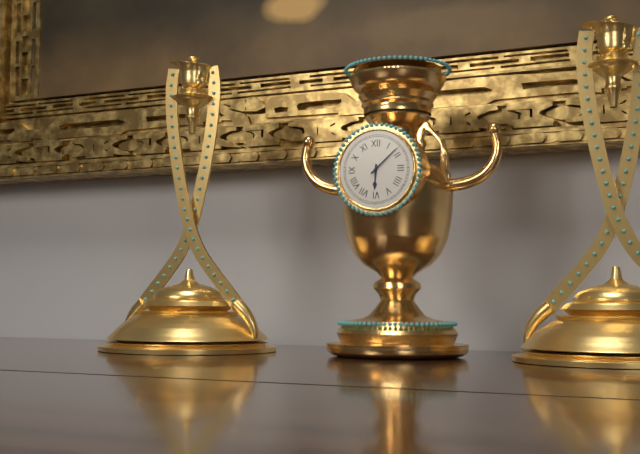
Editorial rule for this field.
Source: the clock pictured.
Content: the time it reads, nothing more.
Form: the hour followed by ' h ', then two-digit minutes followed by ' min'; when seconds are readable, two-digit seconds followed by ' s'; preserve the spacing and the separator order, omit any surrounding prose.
6 h 08 min
